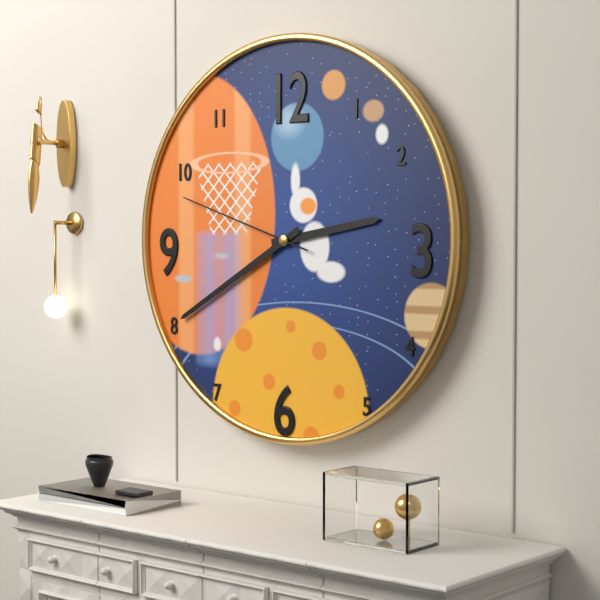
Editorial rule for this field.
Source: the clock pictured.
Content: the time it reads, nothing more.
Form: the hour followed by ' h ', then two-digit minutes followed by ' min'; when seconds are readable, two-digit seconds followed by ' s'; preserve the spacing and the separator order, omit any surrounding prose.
2 h 40 min 48 s
